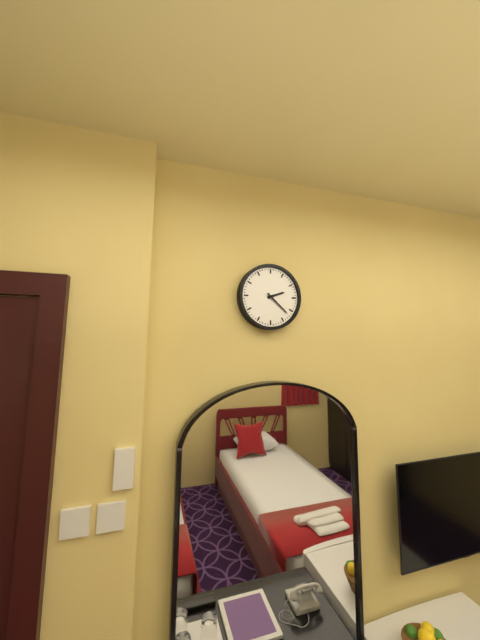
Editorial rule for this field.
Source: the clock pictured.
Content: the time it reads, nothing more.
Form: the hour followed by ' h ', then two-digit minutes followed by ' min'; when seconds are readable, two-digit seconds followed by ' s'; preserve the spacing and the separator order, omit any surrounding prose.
2 h 22 min
